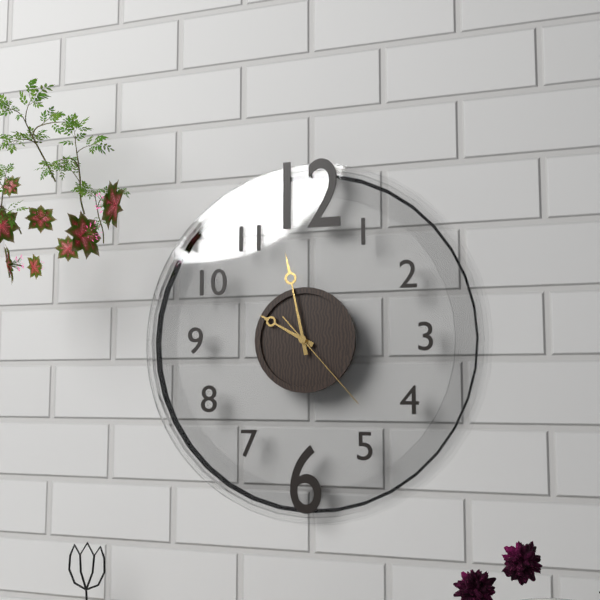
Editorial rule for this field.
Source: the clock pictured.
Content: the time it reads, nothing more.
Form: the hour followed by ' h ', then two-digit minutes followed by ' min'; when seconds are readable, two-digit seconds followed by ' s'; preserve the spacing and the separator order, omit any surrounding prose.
9 h 58 min 23 s
